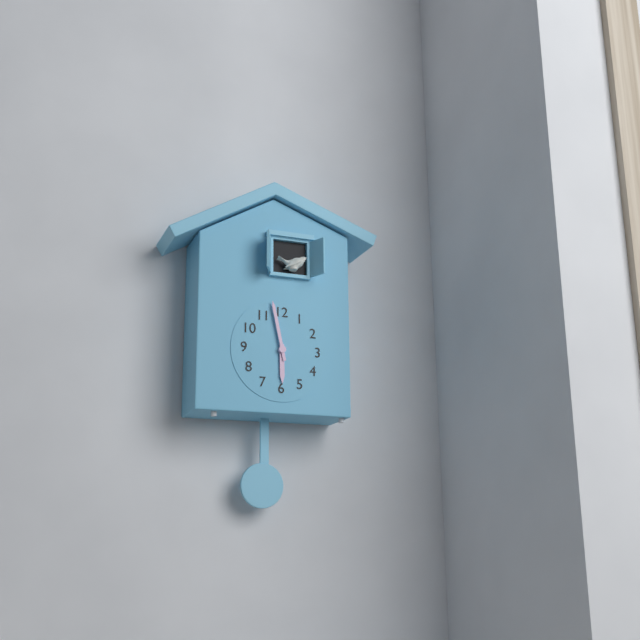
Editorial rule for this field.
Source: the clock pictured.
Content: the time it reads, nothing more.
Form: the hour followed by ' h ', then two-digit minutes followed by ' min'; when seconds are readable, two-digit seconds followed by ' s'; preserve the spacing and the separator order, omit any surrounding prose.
5 h 58 min
